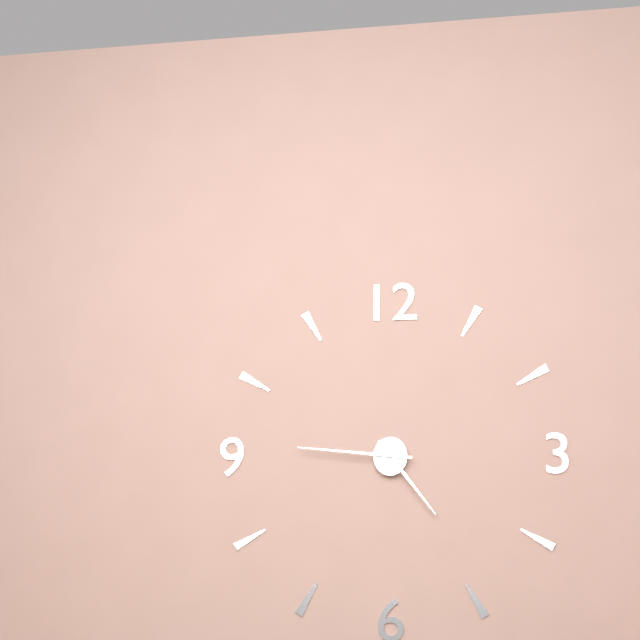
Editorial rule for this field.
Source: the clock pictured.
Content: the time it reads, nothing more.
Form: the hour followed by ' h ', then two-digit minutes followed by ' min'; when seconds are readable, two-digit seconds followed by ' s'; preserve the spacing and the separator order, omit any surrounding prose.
4 h 46 min
